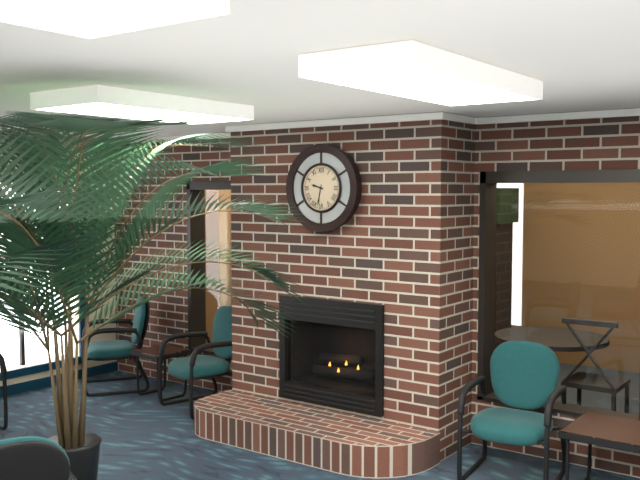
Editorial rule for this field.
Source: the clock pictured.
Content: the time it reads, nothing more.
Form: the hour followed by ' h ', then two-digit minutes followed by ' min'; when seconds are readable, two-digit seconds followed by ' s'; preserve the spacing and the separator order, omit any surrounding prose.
9 h 32 min
